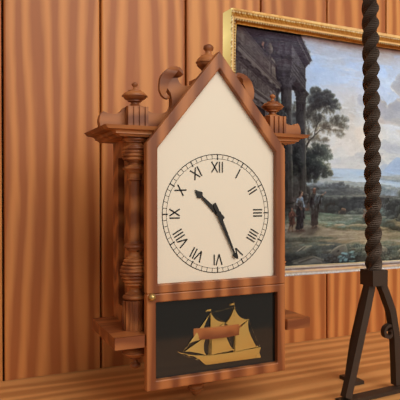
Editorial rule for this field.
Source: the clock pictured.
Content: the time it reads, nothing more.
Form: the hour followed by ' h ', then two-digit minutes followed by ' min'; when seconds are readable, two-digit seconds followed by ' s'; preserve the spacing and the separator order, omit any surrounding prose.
10 h 26 min
